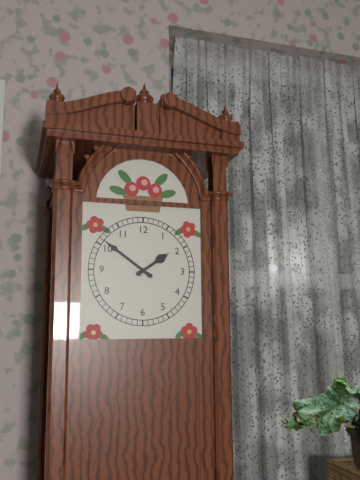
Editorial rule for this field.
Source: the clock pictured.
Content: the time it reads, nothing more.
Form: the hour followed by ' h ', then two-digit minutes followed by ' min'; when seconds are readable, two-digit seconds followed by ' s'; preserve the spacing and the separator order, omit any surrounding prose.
1 h 51 min
